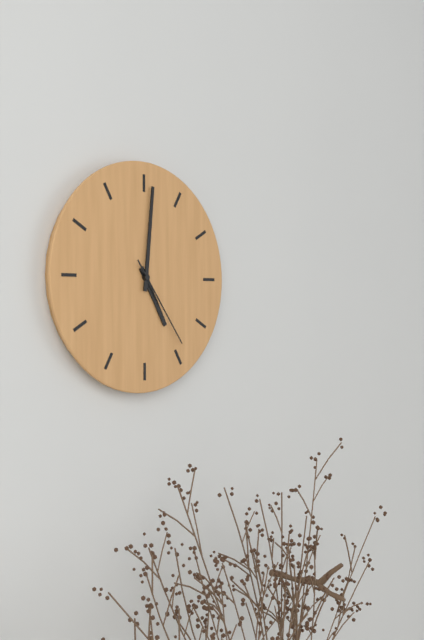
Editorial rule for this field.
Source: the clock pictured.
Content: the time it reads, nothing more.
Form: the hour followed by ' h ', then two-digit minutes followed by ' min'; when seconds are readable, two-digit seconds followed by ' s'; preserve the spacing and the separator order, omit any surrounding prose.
5 h 01 min 24 s
